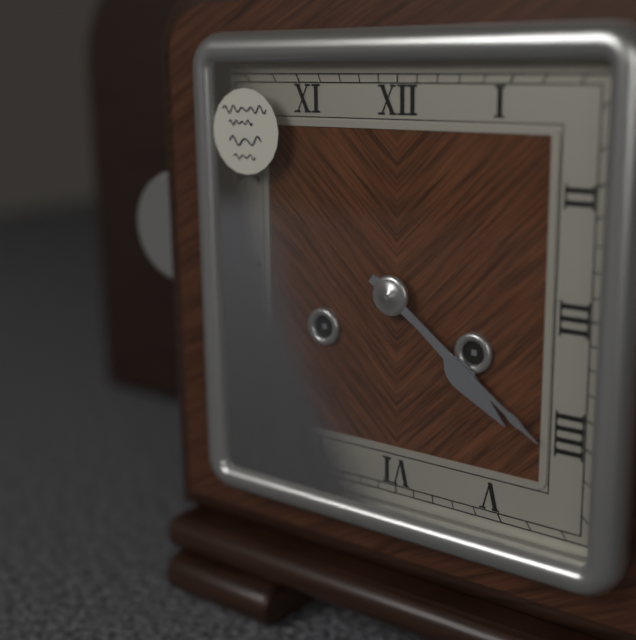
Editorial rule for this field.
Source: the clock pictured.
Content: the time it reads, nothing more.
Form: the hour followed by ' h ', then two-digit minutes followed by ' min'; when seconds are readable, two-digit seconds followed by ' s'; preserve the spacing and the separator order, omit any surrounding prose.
4 h 21 min
